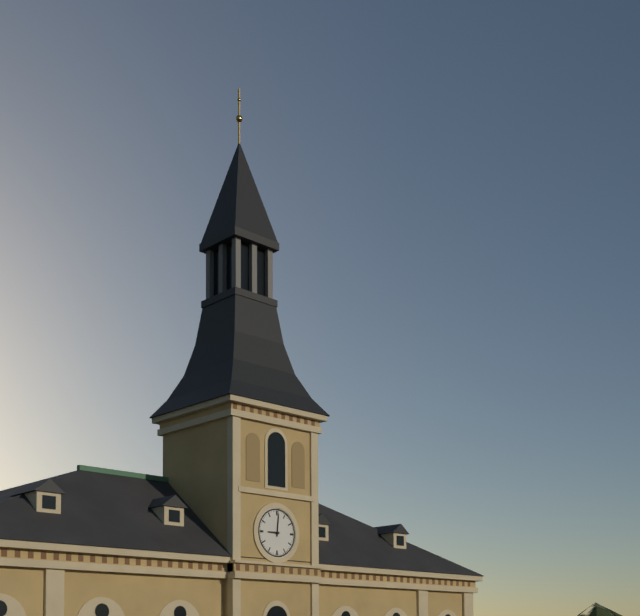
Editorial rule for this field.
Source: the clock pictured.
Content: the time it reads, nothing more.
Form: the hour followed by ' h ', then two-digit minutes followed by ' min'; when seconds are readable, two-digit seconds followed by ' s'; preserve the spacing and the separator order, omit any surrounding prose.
9 h 01 min
